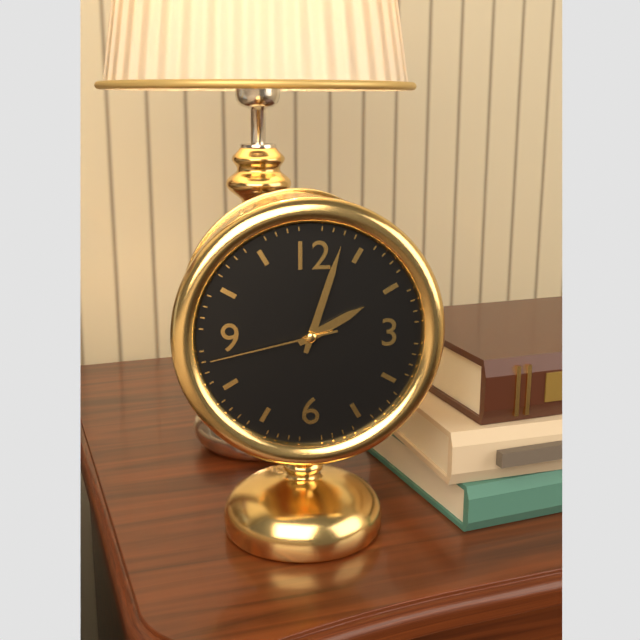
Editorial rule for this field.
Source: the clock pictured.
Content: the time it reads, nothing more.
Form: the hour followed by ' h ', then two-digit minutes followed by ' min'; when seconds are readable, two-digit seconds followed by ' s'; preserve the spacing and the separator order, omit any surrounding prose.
2 h 03 min 43 s
